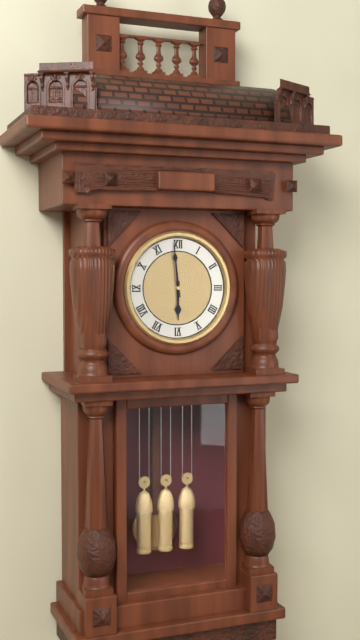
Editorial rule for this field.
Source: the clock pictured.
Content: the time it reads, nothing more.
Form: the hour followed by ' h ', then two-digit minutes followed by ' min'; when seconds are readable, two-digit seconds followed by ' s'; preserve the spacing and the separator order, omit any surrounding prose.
5 h 59 min
